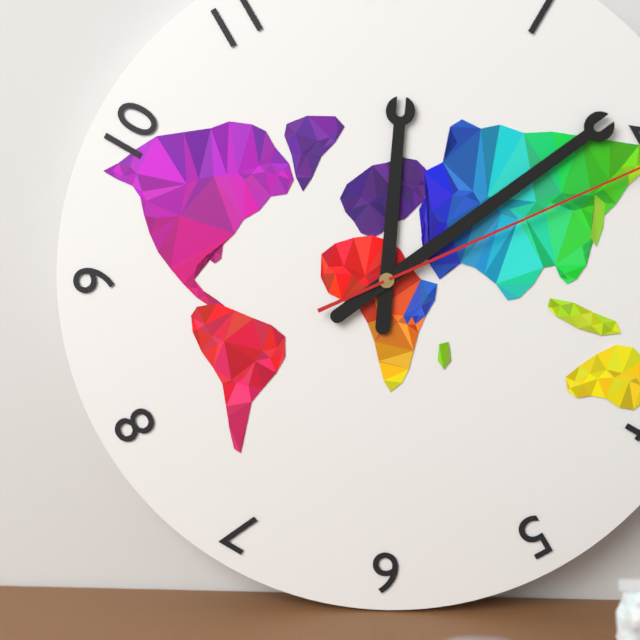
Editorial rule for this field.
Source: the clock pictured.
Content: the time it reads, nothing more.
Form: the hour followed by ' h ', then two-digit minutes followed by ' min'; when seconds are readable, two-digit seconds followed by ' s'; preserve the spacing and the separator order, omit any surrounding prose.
12 h 09 min
